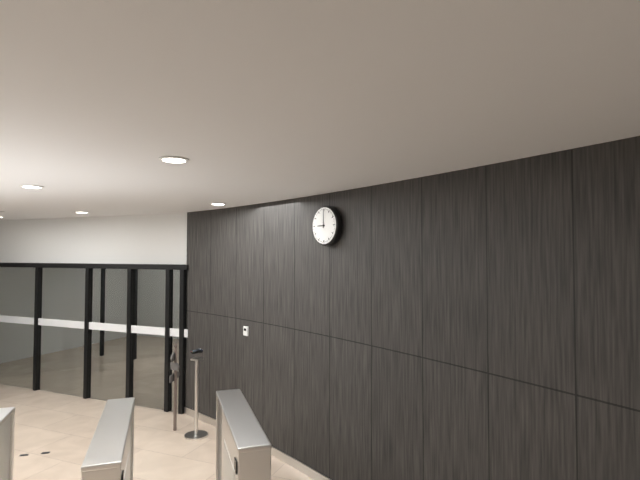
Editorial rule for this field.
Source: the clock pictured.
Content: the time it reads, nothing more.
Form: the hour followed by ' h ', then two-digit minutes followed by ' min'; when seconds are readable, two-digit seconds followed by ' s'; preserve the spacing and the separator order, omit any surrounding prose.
9 h 00 min
